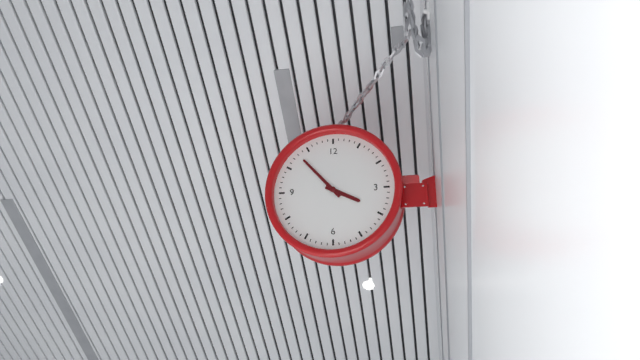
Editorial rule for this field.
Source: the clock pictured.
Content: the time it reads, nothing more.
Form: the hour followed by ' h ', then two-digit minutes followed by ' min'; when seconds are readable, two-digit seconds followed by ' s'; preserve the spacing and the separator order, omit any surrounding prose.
3 h 53 min
